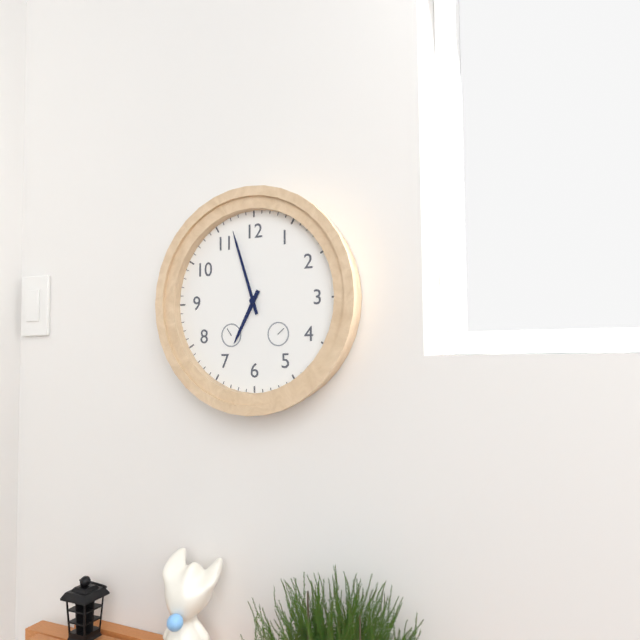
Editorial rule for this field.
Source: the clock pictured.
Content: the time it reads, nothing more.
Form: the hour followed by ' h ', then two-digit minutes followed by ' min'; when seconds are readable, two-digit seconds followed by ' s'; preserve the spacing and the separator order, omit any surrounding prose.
6 h 57 min
